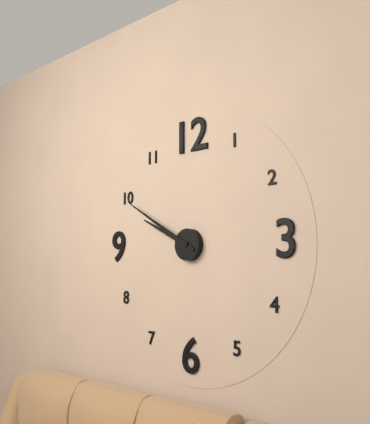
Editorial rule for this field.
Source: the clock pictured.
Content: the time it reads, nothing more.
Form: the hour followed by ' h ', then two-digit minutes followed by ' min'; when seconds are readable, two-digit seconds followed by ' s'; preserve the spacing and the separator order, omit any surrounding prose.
9 h 50 min
